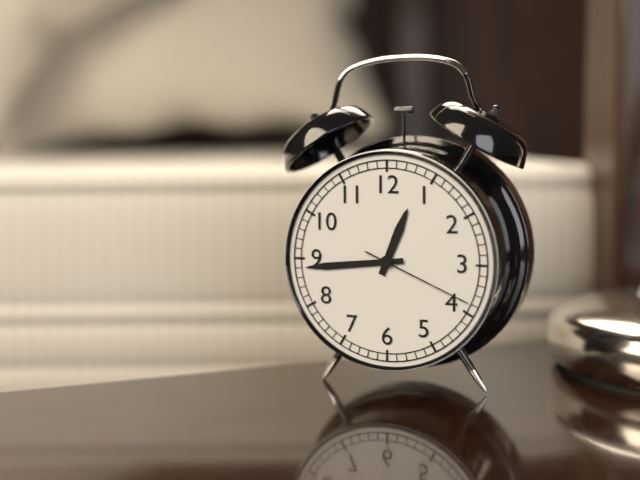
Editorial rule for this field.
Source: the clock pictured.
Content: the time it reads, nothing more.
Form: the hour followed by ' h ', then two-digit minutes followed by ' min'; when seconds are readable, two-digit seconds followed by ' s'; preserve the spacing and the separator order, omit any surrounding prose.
12 h 44 min 19 s
